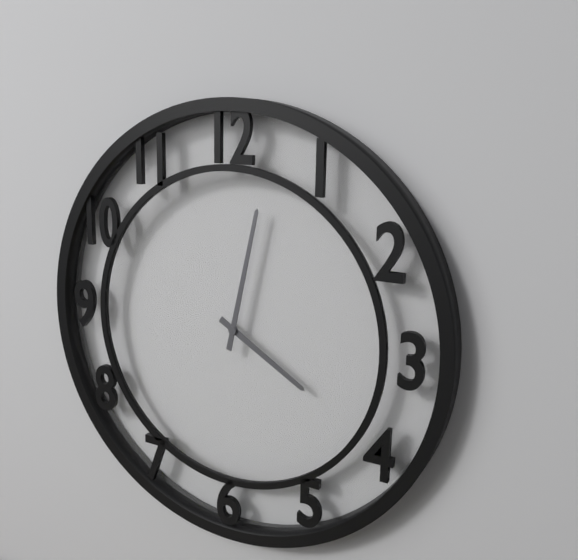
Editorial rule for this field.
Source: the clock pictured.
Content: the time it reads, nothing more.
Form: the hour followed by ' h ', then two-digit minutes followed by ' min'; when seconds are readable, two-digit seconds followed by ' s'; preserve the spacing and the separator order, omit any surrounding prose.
4 h 02 min
